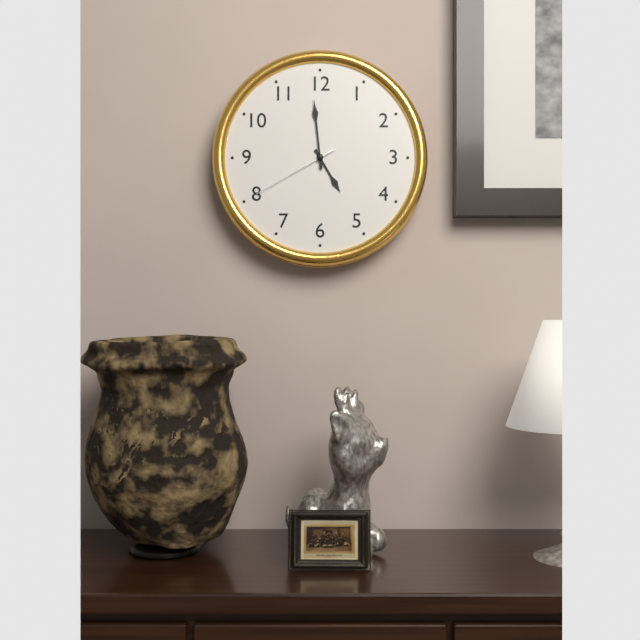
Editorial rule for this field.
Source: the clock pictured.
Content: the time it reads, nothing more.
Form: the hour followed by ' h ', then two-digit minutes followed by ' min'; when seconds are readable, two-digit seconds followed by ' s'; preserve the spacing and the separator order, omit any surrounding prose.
4 h 59 min 40 s
